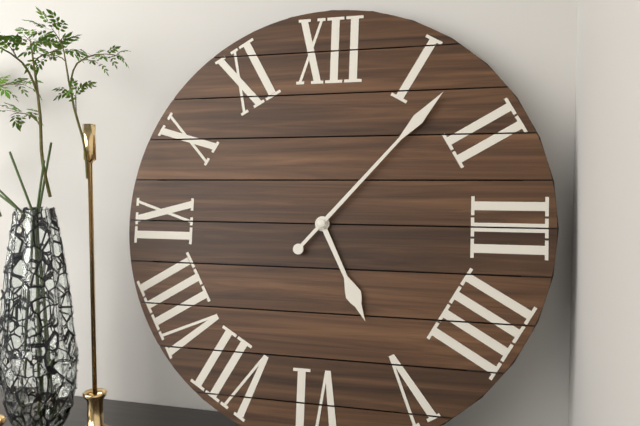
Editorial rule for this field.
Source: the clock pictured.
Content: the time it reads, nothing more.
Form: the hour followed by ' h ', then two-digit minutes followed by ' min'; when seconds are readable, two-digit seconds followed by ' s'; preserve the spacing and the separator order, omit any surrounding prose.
5 h 07 min
